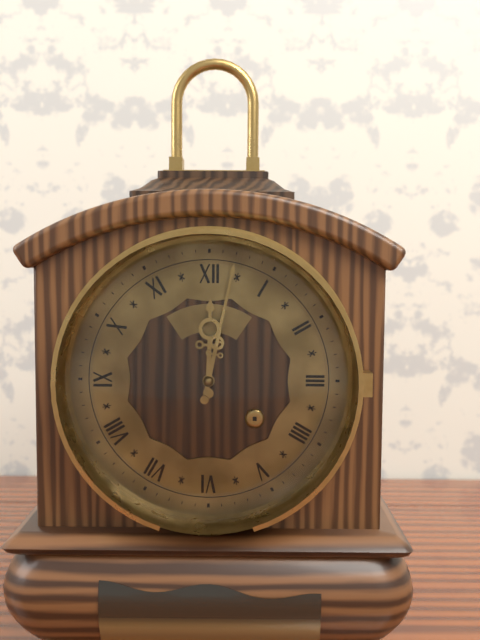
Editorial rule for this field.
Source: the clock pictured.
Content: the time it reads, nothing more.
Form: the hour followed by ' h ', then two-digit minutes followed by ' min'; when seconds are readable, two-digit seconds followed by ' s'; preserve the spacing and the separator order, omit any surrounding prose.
12 h 02 min
